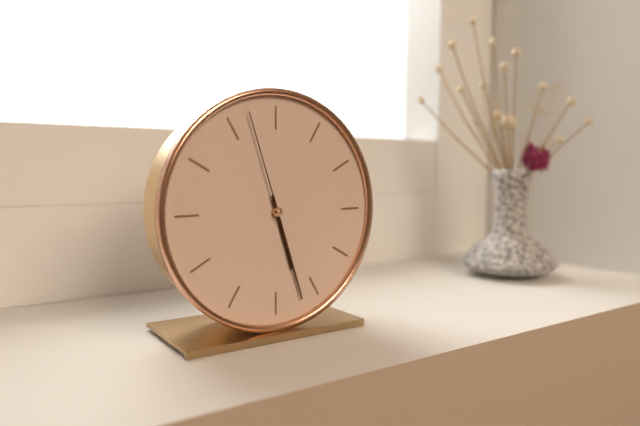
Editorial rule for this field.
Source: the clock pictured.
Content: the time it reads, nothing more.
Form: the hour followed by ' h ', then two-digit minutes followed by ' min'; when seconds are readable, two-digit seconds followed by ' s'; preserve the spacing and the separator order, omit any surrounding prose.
5 h 27 min 57 s
